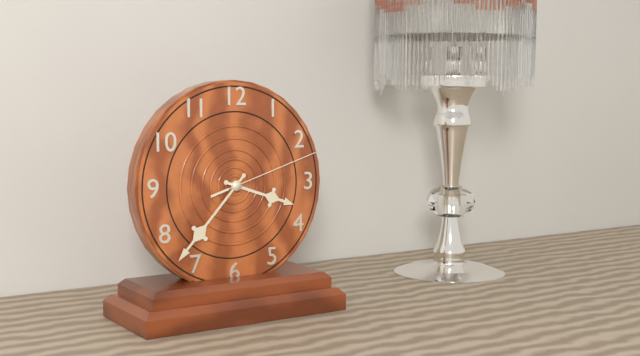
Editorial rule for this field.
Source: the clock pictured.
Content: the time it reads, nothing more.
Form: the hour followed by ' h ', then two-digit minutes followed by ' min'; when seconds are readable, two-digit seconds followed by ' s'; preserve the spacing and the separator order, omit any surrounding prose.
3 h 37 min 12 s
